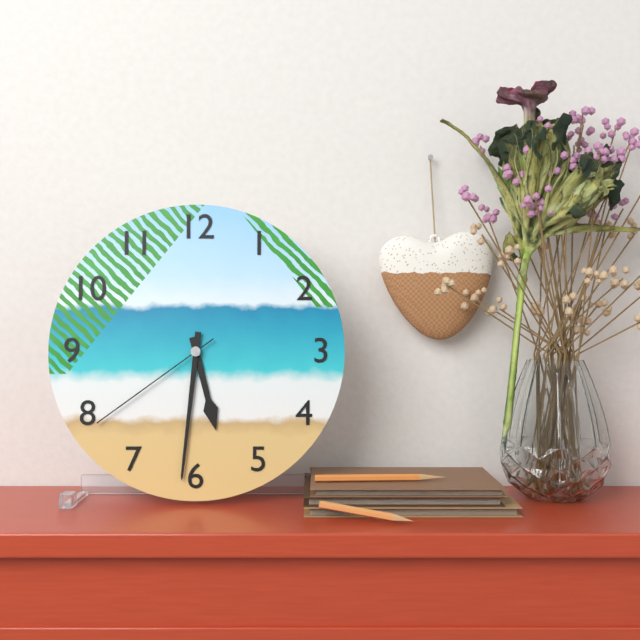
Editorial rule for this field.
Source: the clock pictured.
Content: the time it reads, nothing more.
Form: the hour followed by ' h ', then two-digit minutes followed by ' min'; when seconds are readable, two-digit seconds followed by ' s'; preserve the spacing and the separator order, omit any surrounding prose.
5 h 31 min 39 s
